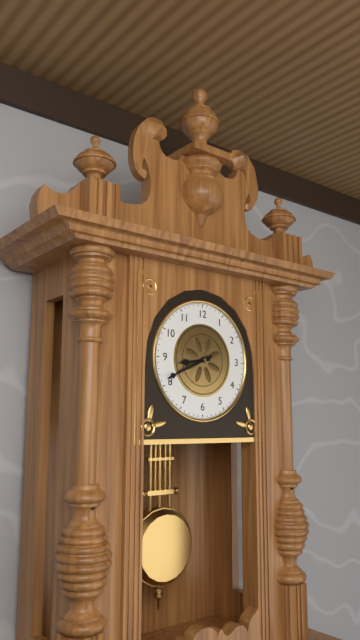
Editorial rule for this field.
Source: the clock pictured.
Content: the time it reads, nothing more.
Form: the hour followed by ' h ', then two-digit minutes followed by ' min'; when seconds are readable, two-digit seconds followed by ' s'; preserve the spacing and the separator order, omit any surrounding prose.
8 h 41 min
